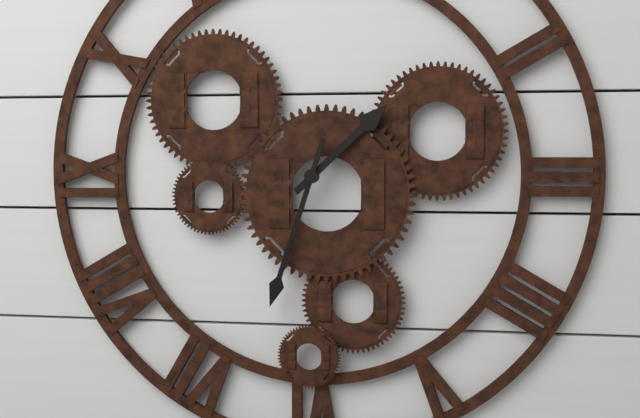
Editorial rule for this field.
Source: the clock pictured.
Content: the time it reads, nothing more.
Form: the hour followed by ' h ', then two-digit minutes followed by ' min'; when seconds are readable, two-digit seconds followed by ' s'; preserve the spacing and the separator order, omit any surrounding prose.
1 h 33 min
